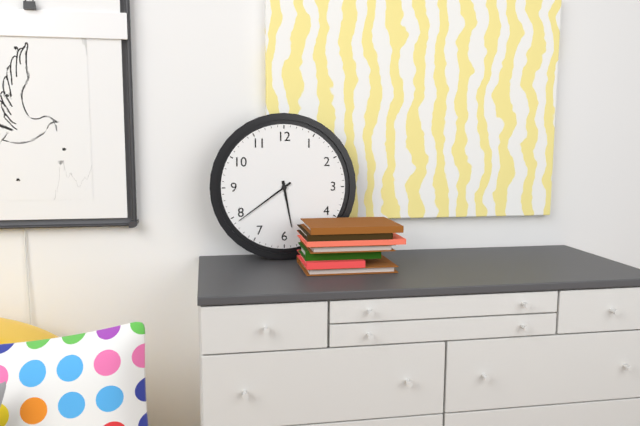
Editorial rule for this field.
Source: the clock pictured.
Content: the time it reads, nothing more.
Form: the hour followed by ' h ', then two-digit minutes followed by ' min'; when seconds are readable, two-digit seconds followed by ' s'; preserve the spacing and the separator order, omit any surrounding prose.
5 h 39 min
